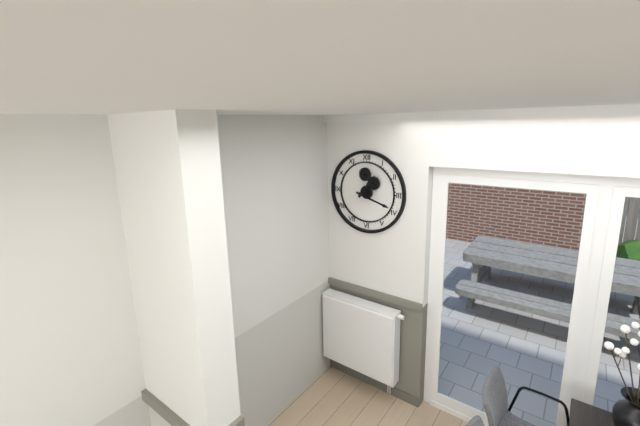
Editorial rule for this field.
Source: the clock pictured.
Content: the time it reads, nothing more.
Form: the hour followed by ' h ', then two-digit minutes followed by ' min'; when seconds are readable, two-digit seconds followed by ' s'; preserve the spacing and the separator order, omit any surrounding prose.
1 h 18 min
